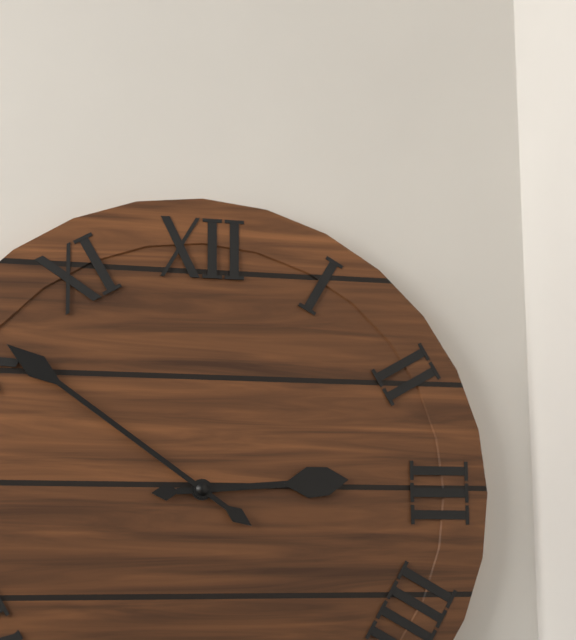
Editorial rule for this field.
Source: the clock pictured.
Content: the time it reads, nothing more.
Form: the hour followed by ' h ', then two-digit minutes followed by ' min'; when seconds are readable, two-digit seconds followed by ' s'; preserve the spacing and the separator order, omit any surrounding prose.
2 h 51 min
